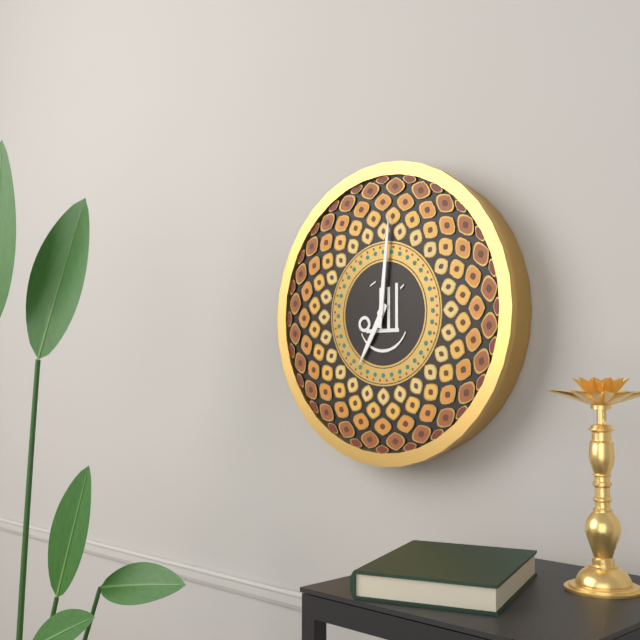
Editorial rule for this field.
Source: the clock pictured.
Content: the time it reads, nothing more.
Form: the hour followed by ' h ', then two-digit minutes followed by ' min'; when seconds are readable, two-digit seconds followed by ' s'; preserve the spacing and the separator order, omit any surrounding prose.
7 h 01 min
